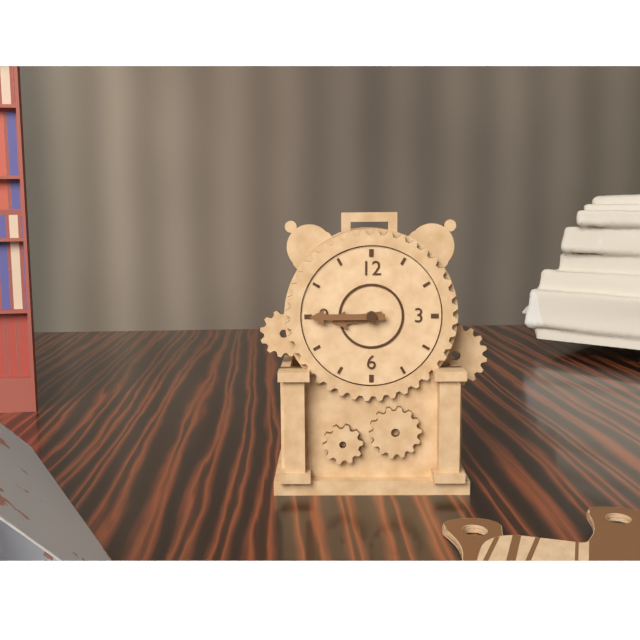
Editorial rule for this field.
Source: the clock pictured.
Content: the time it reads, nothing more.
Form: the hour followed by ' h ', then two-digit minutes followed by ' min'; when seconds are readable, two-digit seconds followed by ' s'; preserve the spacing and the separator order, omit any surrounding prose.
8 h 45 min
